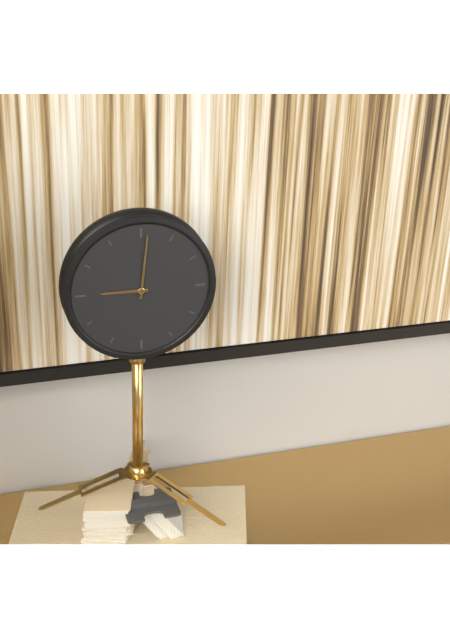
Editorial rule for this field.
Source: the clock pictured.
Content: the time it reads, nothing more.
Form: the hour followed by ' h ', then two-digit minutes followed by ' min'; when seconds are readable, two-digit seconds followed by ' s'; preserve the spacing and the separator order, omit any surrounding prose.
9 h 01 min
